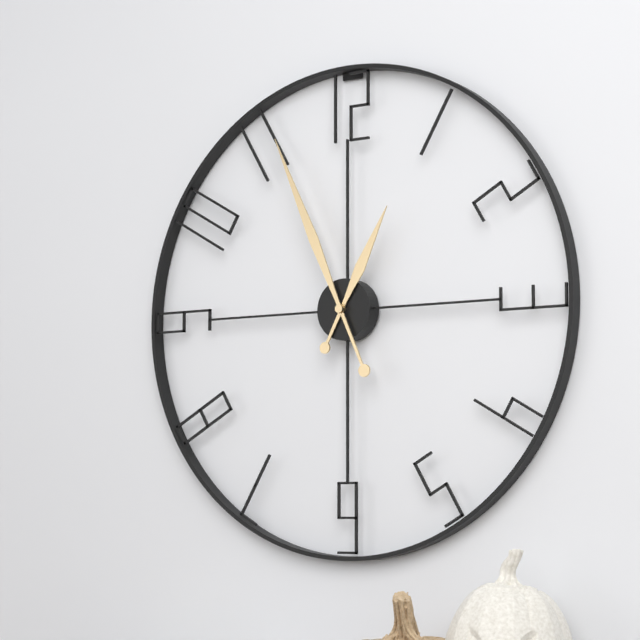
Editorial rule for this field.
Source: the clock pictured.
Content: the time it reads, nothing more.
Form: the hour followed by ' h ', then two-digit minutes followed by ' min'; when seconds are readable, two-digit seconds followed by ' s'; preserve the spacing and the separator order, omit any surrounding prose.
12 h 56 min
